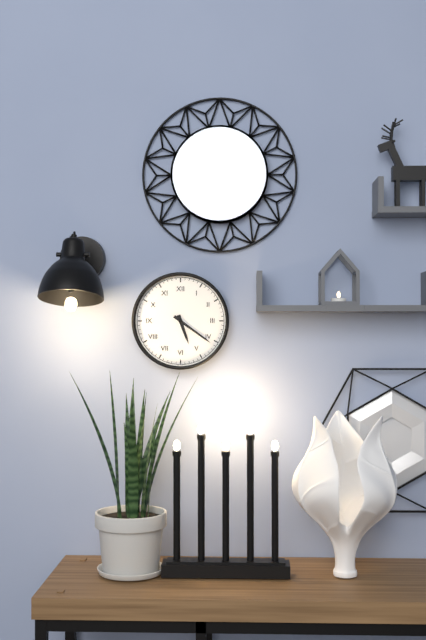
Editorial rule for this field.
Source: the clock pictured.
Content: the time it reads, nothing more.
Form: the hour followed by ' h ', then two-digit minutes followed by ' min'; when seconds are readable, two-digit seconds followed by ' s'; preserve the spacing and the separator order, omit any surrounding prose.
5 h 21 min
